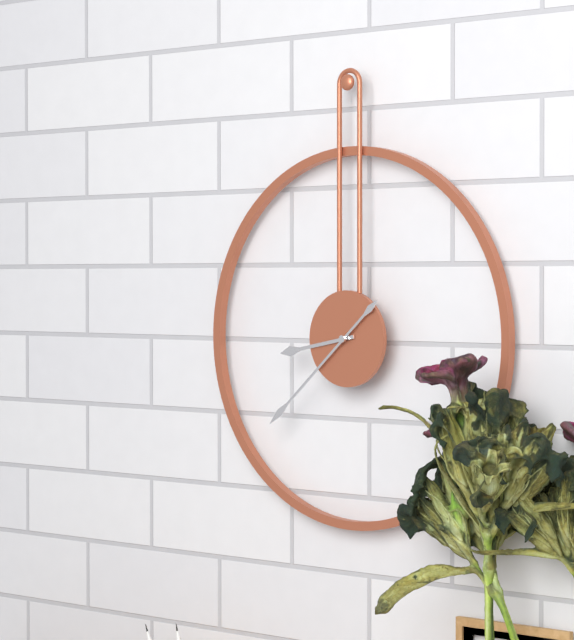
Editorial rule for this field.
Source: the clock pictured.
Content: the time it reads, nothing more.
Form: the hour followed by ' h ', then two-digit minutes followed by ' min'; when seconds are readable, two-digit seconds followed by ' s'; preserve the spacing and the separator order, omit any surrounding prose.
8 h 38 min
